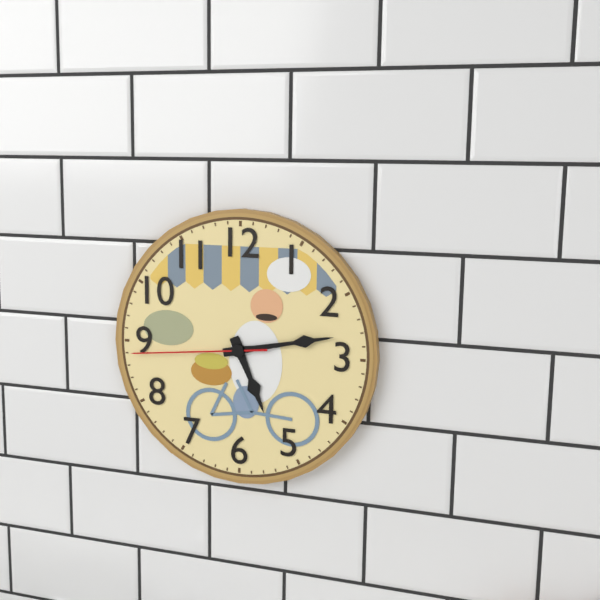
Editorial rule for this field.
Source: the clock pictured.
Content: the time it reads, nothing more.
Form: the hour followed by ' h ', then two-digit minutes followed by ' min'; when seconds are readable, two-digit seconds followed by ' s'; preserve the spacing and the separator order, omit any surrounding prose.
5 h 13 min 44 s
